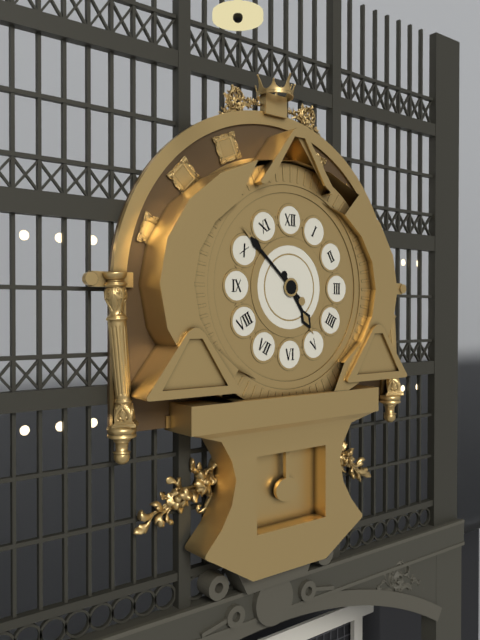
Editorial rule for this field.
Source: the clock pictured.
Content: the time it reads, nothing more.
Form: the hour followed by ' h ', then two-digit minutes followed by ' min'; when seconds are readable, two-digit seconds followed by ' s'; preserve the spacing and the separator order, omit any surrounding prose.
4 h 52 min
